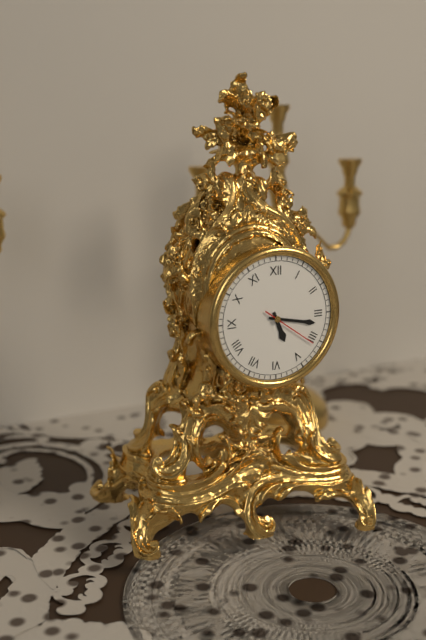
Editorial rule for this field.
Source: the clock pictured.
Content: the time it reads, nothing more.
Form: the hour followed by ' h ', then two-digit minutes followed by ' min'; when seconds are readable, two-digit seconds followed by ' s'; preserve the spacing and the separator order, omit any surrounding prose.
5 h 17 min 21 s
